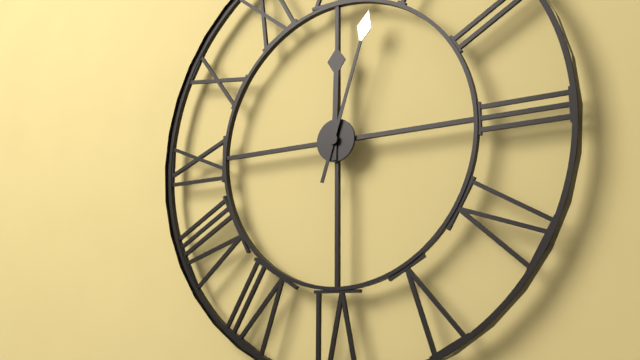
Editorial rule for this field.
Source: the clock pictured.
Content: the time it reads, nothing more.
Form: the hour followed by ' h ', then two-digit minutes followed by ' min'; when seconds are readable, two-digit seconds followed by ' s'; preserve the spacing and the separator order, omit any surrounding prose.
12 h 03 min
